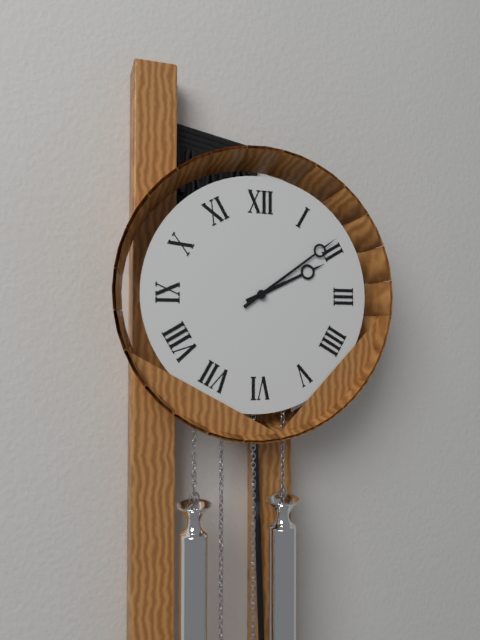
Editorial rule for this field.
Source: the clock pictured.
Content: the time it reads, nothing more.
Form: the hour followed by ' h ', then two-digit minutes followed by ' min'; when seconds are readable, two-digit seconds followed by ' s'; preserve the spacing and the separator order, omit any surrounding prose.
2 h 09 min
